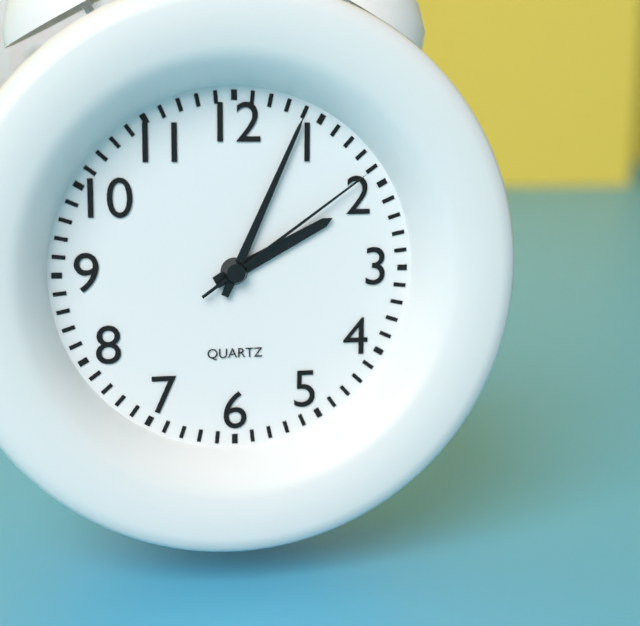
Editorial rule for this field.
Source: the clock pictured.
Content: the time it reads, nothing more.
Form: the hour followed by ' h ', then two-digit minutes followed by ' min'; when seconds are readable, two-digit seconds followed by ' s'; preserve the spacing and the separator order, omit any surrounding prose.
2 h 04 min 09 s
